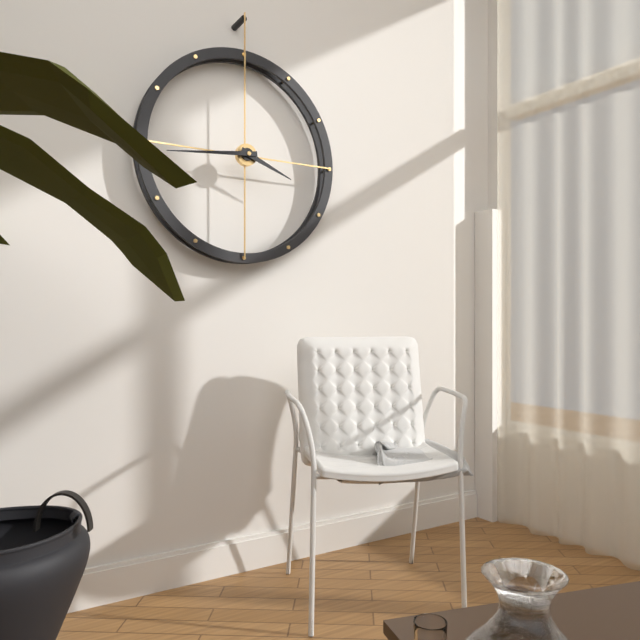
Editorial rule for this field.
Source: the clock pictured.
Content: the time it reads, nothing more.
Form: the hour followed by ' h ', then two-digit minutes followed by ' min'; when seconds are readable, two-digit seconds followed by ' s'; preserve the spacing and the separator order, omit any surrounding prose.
3 h 44 min
